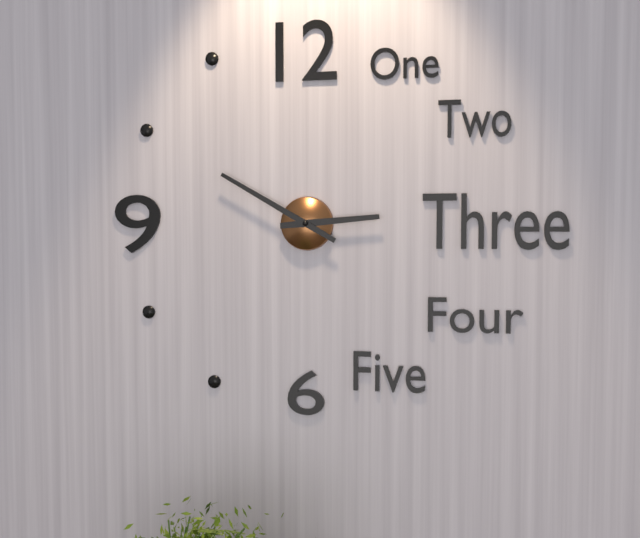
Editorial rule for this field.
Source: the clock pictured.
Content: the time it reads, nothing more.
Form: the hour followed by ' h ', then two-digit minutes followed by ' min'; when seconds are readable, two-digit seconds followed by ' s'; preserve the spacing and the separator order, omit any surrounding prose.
2 h 50 min
